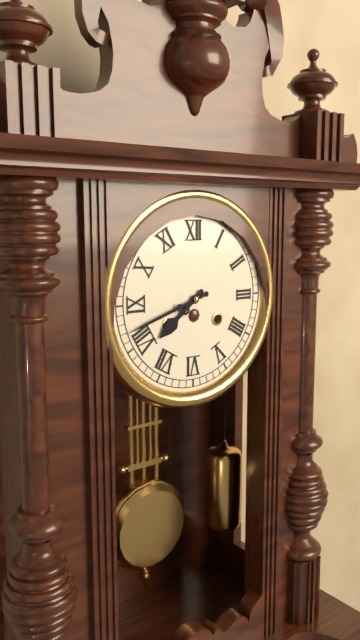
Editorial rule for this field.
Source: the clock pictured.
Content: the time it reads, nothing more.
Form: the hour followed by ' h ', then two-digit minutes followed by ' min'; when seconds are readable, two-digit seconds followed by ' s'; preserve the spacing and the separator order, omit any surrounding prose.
7 h 42 min
